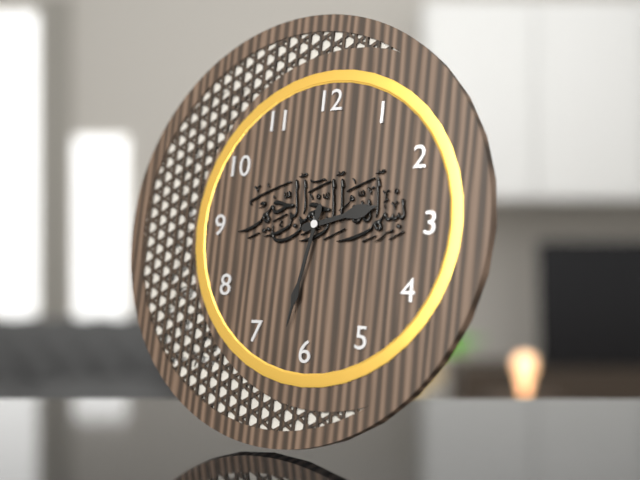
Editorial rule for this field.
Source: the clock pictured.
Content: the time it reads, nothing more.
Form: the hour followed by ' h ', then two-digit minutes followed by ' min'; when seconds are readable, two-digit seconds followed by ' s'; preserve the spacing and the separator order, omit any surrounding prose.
2 h 32 min
